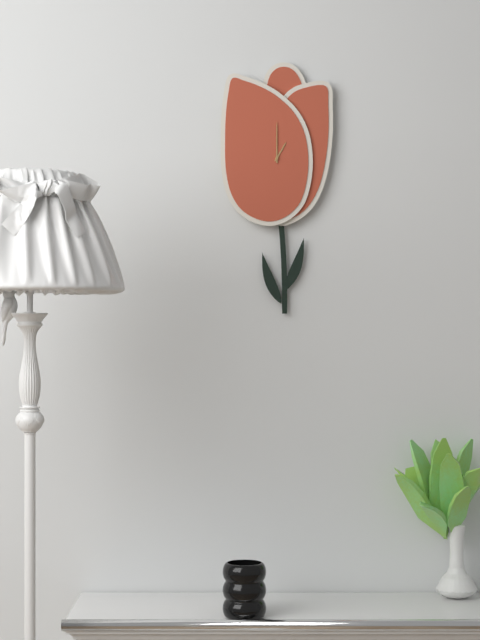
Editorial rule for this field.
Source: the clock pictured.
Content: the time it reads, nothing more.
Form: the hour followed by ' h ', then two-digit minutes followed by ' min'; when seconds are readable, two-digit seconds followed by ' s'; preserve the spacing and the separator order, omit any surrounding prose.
1 h 00 min
